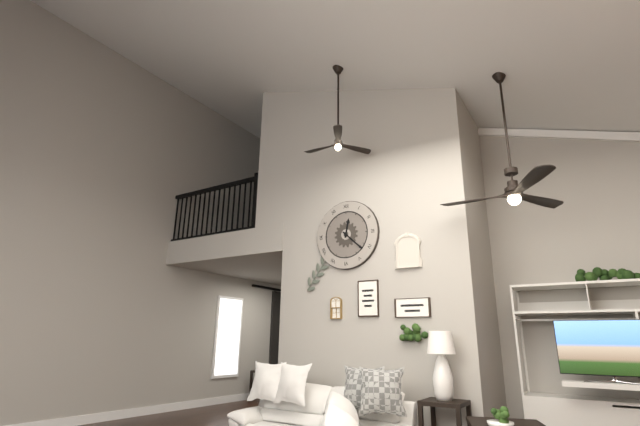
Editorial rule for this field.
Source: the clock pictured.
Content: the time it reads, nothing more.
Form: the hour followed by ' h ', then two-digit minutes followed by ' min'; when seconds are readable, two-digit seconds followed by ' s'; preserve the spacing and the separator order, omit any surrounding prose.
12 h 22 min
